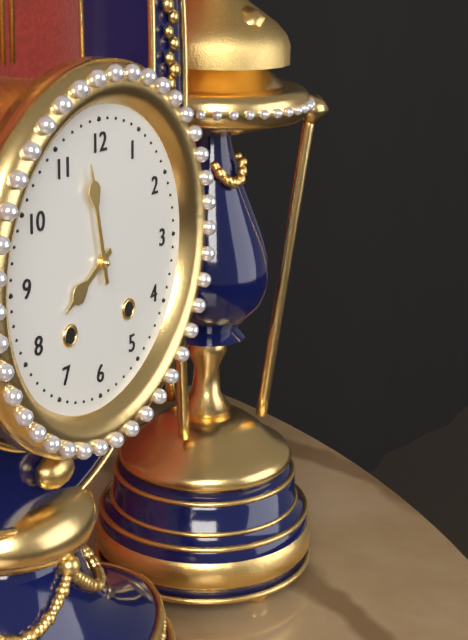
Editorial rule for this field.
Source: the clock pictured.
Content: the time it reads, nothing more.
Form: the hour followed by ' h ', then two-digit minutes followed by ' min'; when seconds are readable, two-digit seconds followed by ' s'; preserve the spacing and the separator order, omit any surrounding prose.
7 h 58 min
